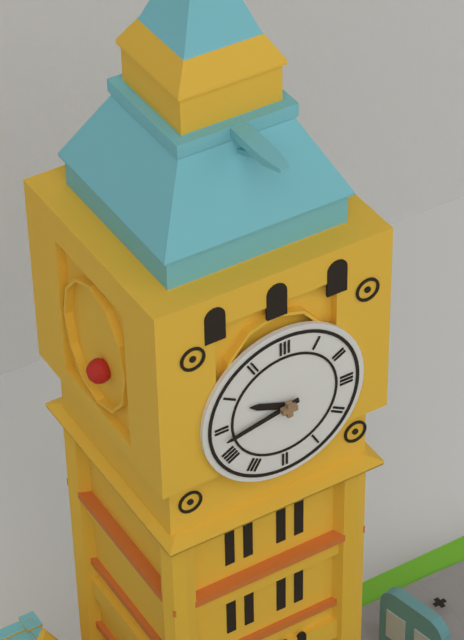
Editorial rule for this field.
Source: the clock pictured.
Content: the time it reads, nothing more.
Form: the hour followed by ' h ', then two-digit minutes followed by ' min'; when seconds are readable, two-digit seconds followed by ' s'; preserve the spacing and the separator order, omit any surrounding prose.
9 h 43 min
